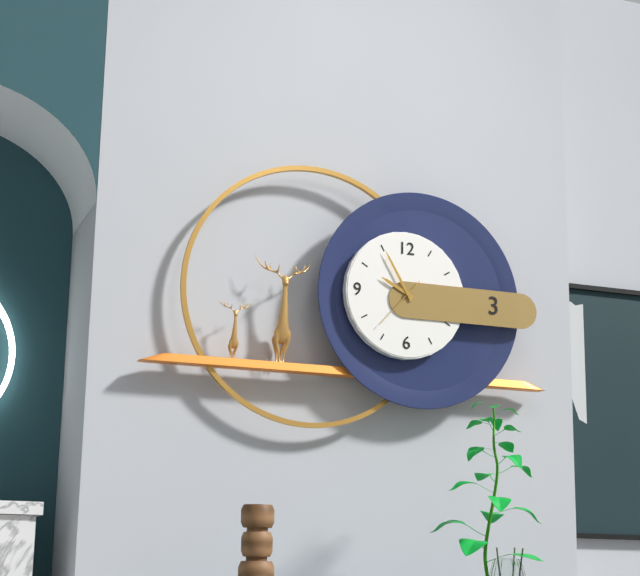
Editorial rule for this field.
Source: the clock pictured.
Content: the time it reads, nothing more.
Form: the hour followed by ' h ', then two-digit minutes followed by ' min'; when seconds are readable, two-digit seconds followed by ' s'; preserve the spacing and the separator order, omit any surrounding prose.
9 h 55 min 37 s
